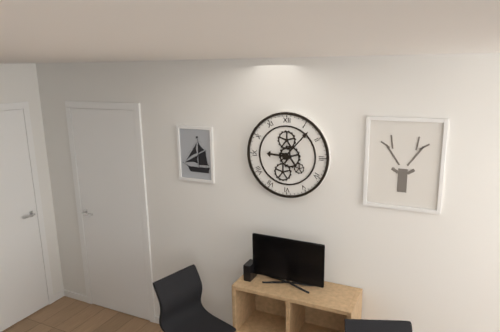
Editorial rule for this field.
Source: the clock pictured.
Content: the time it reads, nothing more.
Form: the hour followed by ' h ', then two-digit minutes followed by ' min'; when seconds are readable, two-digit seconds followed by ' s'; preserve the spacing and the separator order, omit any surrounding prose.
9 h 07 min
